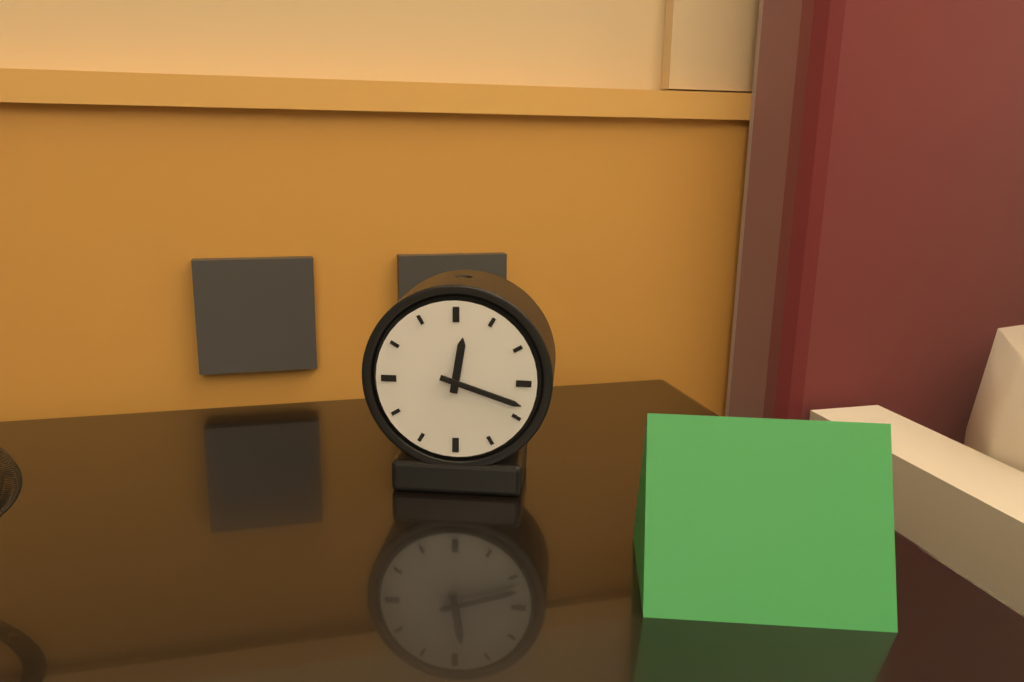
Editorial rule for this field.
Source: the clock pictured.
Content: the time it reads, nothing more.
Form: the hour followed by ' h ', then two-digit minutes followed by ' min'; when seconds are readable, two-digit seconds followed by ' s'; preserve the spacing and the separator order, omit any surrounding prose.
12 h 18 min
